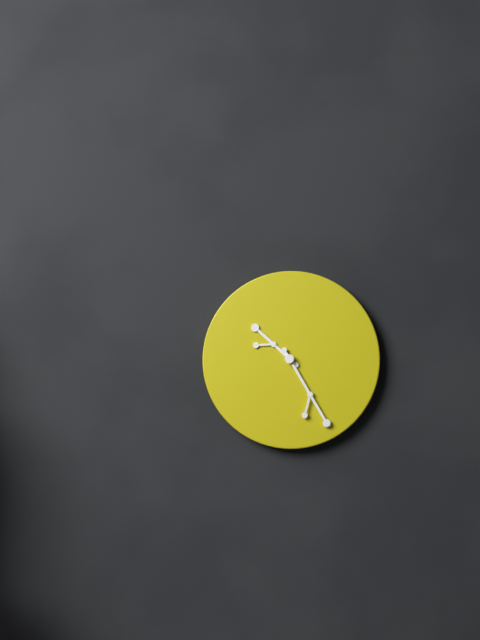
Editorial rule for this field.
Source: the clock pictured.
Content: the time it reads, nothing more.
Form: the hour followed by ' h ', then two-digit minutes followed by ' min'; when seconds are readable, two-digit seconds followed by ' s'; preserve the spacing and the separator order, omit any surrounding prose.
10 h 25 min
